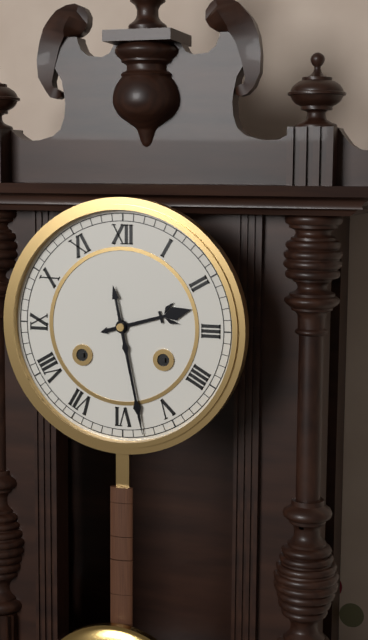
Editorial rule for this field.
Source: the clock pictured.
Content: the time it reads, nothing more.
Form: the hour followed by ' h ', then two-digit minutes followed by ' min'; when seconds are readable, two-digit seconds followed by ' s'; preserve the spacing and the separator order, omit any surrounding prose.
2 h 28 min
